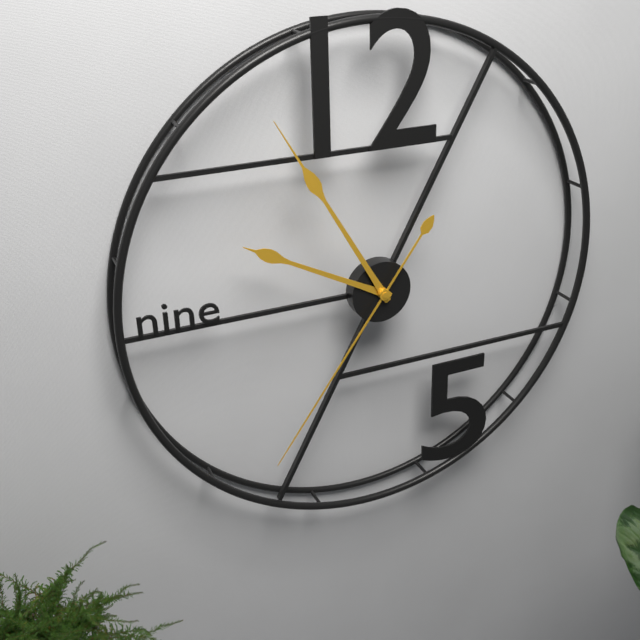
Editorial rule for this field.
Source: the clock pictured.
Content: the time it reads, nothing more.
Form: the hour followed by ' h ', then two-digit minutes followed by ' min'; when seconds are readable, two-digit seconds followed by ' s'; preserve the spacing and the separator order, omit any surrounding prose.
9 h 55 min 36 s
